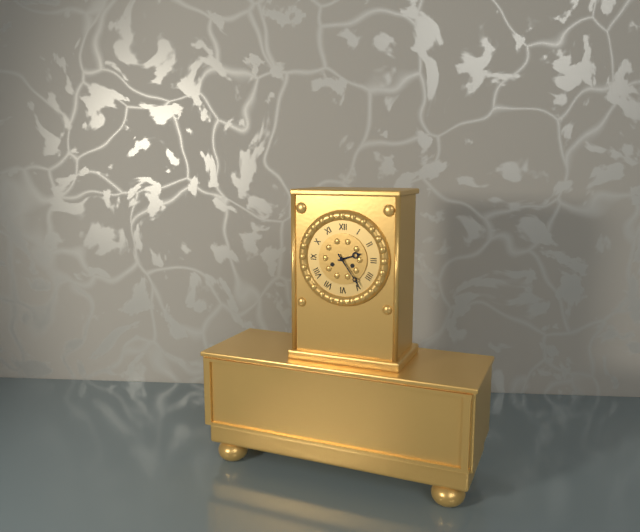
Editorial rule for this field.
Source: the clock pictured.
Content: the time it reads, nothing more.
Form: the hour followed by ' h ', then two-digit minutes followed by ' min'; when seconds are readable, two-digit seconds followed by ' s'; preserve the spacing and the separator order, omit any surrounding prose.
2 h 24 min
